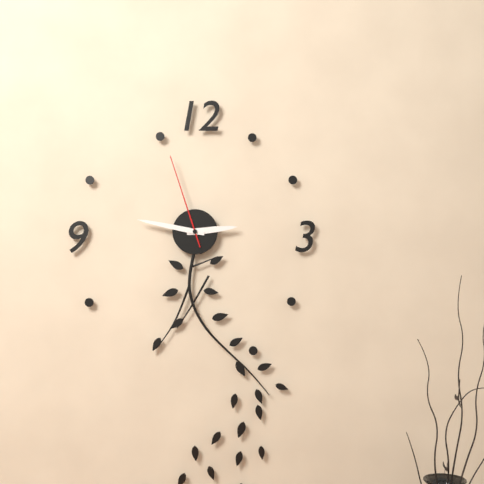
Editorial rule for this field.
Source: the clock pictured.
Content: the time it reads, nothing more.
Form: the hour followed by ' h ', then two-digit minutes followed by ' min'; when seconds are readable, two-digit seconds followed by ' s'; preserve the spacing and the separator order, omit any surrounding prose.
2 h 47 min 57 s
